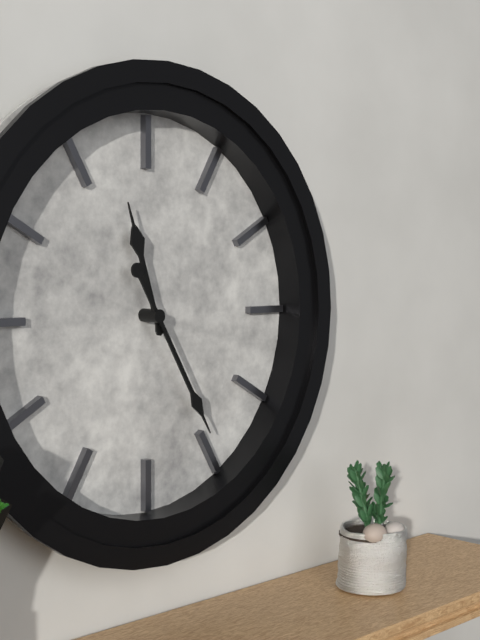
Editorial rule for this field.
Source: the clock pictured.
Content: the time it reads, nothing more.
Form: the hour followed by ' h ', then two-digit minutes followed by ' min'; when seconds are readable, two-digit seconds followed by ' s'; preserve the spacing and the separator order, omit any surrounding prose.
11 h 25 min
